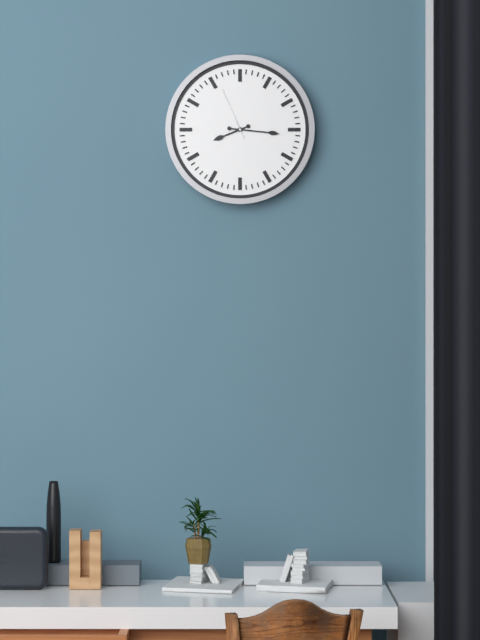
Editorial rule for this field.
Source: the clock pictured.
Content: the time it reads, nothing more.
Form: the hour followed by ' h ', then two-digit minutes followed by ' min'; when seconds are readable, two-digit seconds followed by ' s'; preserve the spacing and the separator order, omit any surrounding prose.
8 h 16 min 56 s
